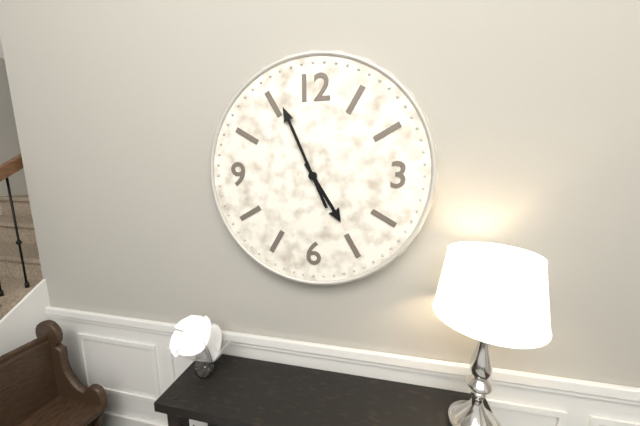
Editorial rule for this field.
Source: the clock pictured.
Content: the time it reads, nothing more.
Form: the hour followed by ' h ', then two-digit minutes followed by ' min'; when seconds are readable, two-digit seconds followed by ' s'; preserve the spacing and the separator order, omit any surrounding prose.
4 h 56 min
